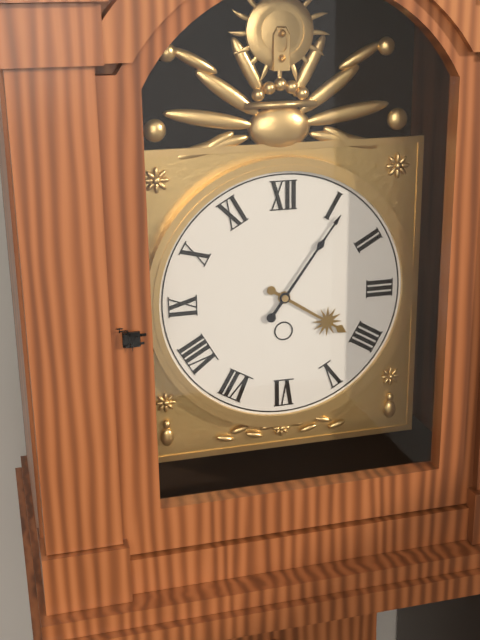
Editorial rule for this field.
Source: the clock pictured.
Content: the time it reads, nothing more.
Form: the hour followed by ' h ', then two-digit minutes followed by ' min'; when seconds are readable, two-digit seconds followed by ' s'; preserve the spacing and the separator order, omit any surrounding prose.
4 h 06 min
